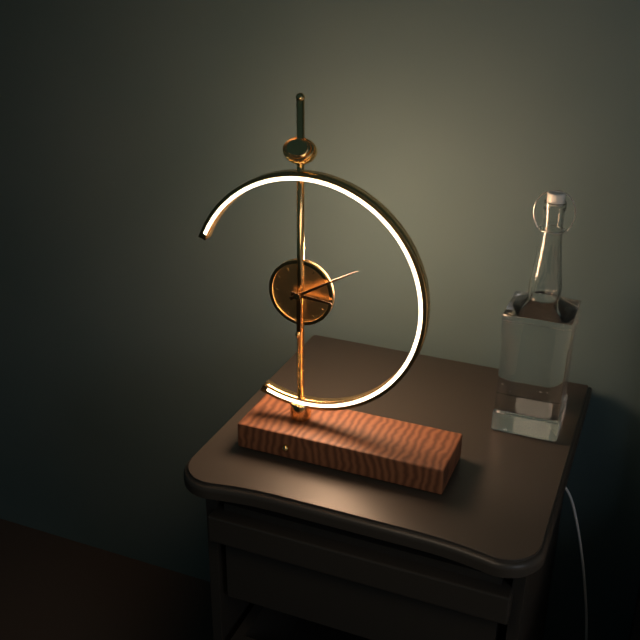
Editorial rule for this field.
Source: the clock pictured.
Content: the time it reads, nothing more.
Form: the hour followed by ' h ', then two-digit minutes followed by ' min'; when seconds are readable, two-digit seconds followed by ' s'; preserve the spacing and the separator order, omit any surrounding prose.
3 h 10 min
